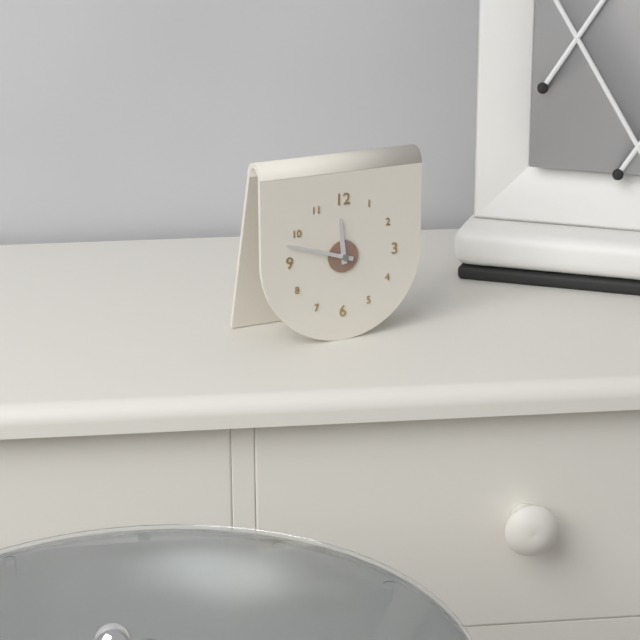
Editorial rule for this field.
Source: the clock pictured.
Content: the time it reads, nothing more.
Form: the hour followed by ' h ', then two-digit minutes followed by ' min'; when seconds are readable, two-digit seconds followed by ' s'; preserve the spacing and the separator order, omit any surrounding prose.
11 h 48 min
